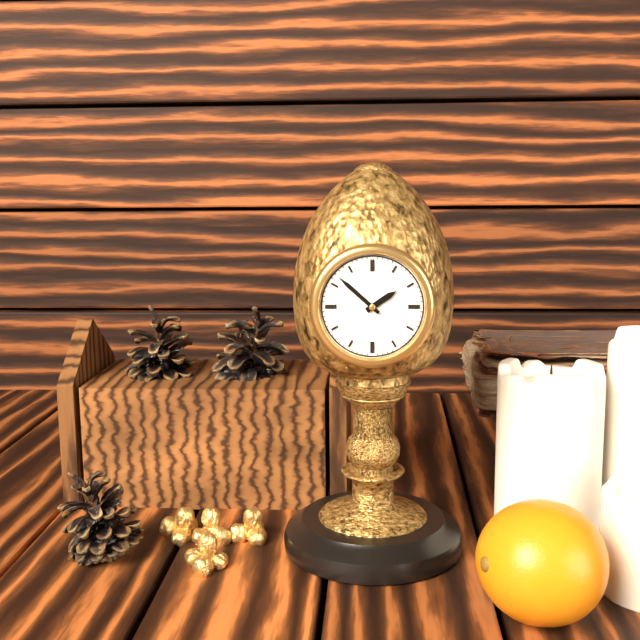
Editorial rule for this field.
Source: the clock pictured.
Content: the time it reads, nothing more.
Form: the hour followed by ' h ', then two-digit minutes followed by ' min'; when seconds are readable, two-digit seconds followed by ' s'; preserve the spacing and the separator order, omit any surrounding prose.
1 h 52 min
